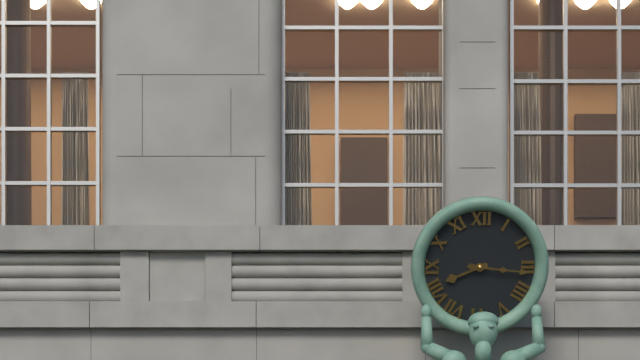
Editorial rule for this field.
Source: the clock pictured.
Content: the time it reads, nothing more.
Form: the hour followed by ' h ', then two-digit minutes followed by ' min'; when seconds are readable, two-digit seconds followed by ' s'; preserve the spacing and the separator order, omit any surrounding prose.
8 h 16 min
